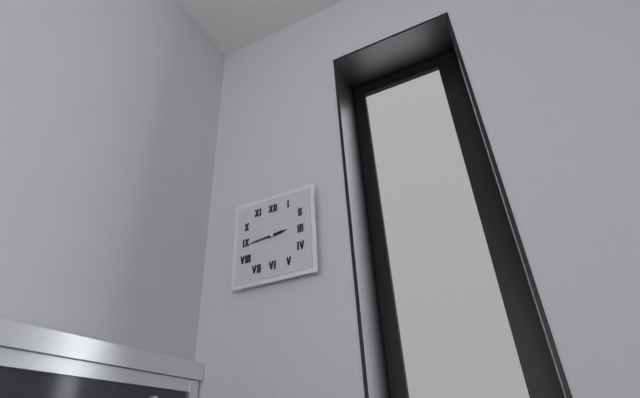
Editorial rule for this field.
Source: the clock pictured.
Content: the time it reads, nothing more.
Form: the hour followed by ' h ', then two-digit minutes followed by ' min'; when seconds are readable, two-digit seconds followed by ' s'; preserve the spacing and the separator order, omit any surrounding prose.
2 h 44 min
